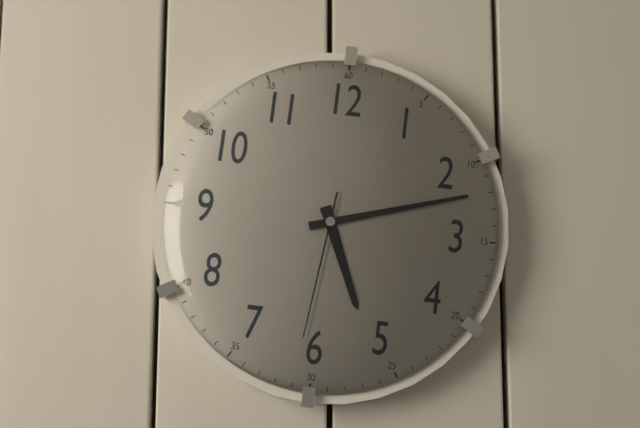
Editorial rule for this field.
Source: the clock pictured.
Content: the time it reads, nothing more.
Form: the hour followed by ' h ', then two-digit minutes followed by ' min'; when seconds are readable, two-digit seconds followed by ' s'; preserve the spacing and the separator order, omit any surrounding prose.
5 h 12 min 31 s
